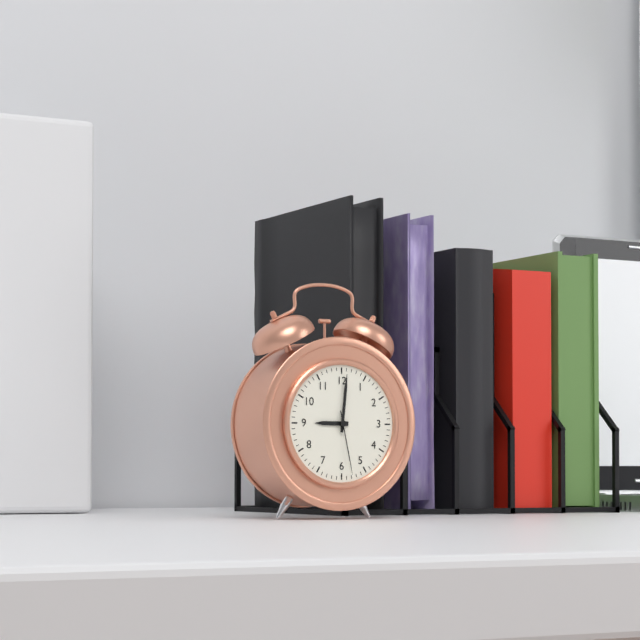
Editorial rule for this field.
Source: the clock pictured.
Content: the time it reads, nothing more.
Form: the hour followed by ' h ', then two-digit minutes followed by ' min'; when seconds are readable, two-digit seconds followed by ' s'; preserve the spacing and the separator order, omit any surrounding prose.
9 h 01 min 28 s
